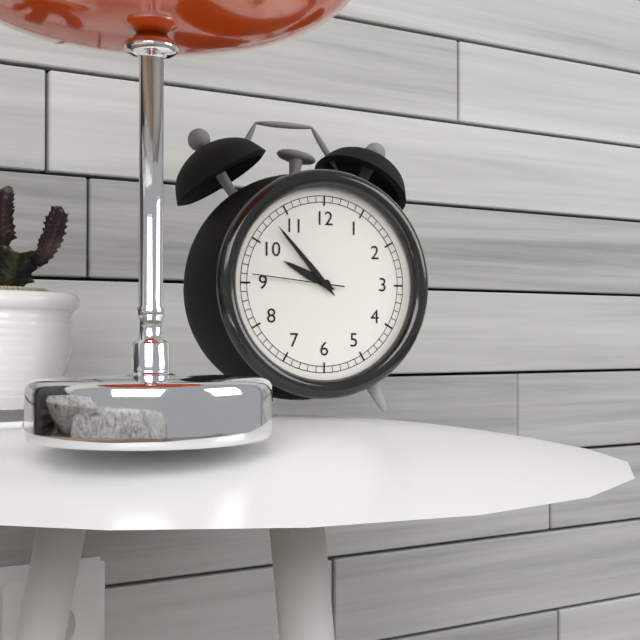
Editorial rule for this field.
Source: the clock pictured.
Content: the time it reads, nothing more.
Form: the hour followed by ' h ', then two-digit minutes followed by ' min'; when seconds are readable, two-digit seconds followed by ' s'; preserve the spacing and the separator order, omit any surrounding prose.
9 h 53 min 46 s
